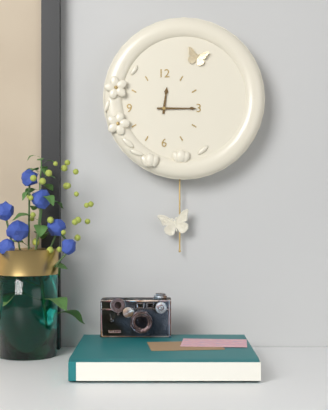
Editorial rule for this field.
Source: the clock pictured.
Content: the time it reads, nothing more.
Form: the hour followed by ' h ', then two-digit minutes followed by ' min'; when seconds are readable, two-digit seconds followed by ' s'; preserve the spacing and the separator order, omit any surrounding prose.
12 h 15 min
